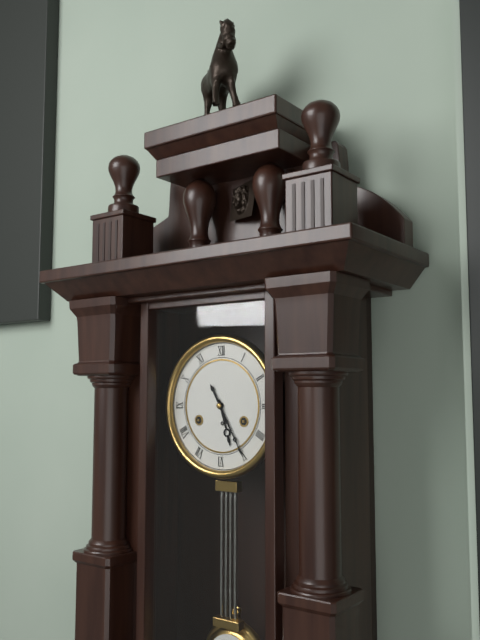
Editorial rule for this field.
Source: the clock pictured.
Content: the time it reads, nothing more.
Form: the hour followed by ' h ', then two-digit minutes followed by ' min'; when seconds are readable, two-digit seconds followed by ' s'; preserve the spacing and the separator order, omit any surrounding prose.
5 h 25 min
